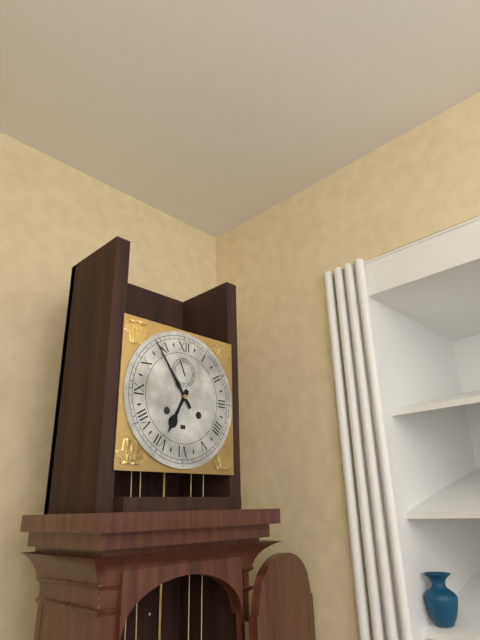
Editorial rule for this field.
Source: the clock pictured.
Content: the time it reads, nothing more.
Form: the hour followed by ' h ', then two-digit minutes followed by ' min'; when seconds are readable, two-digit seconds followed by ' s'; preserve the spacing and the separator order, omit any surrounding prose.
6 h 54 min
